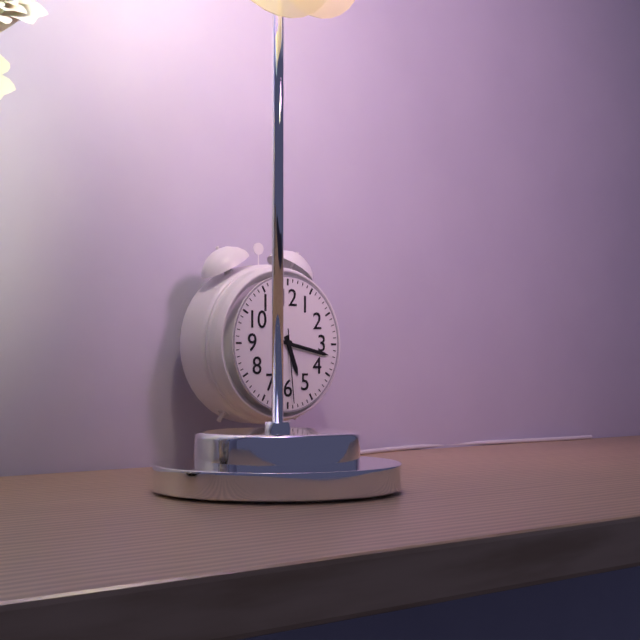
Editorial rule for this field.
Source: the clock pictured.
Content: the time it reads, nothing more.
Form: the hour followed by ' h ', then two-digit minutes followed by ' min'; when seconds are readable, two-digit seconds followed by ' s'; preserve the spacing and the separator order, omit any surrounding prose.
5 h 17 min 29 s
